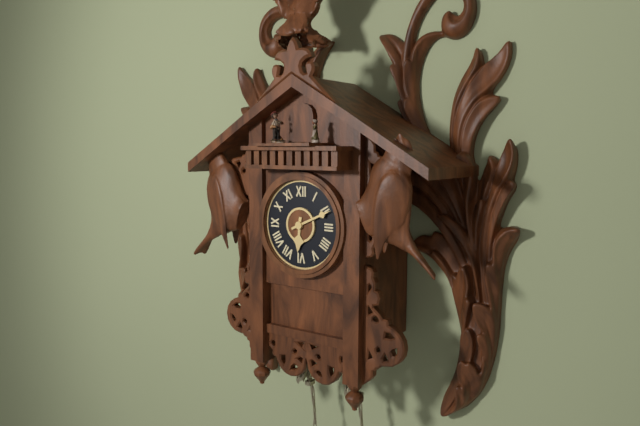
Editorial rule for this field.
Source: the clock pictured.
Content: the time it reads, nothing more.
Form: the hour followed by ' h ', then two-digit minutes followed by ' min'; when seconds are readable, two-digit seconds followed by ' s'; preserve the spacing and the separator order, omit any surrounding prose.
6 h 11 min
